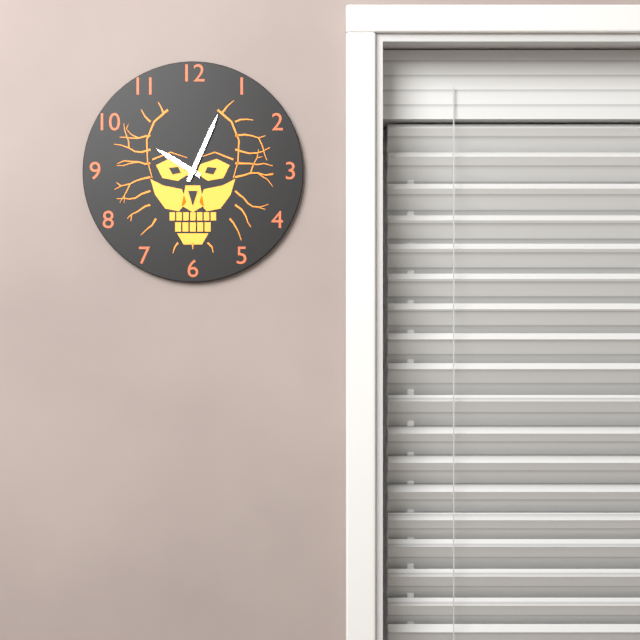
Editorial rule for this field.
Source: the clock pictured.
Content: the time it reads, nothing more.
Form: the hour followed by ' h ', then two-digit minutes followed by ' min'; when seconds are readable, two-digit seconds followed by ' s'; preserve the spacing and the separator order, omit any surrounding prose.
10 h 04 min
